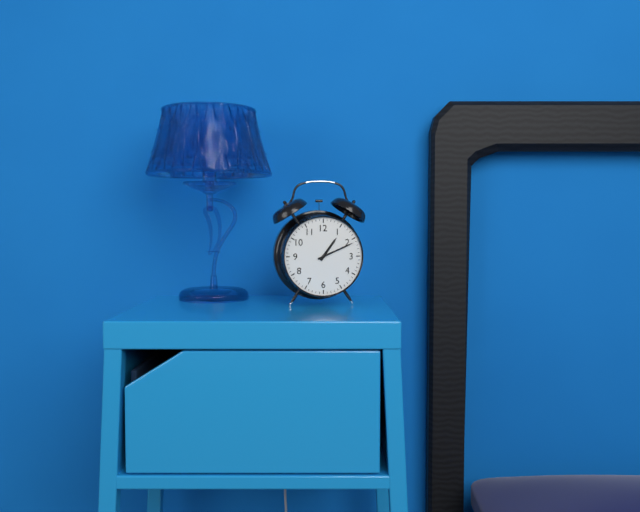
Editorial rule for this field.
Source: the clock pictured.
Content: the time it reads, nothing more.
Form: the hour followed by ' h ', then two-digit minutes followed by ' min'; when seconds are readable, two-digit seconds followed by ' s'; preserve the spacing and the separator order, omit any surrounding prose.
1 h 11 min
